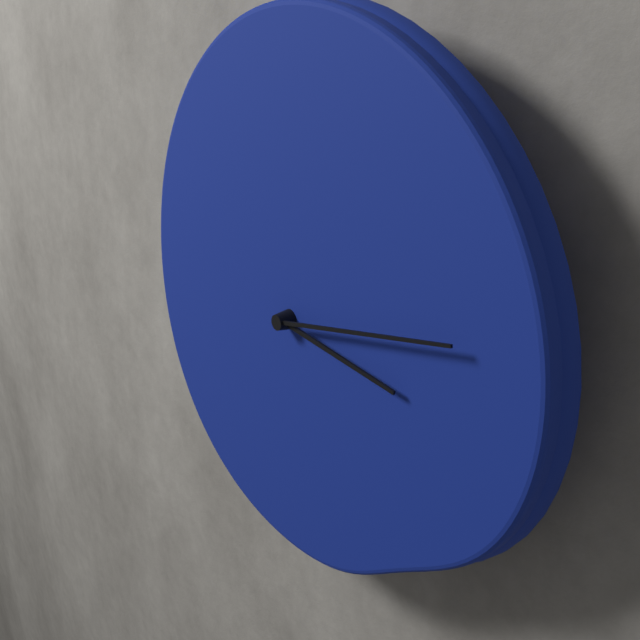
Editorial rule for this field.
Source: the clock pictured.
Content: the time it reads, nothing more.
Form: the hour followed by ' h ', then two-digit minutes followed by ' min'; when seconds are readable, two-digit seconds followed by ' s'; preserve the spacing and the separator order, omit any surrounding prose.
3 h 13 min
